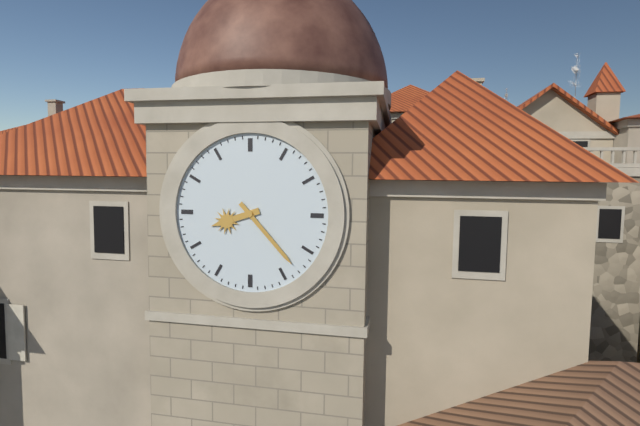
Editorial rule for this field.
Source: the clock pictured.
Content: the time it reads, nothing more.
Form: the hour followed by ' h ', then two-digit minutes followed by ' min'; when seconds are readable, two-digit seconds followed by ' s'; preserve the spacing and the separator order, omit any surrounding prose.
8 h 23 min
